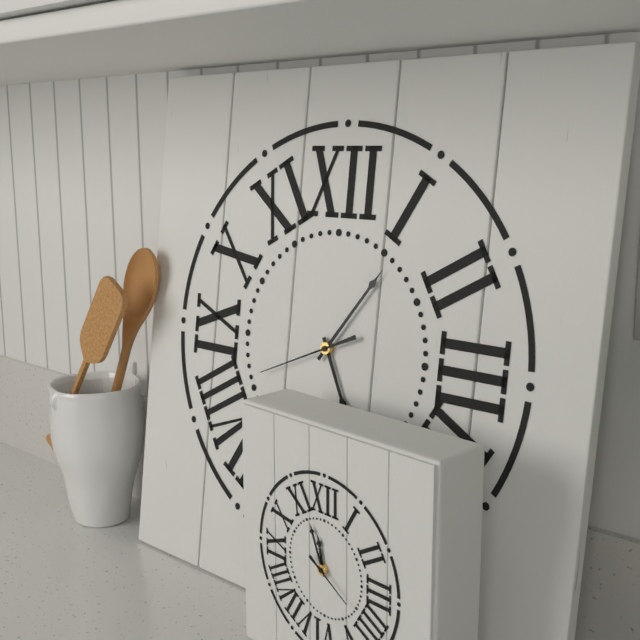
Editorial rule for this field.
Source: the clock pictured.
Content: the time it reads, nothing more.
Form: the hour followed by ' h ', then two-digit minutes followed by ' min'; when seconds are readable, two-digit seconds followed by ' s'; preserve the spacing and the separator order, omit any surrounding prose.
5 h 06 min 41 s
